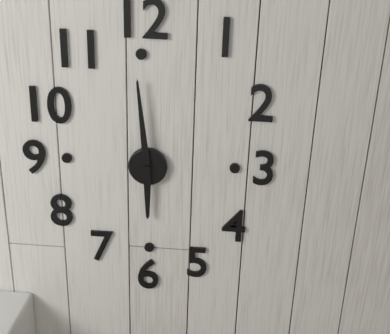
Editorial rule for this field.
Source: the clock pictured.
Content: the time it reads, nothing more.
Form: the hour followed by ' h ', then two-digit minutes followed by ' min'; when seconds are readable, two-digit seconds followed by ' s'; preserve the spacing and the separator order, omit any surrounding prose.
5 h 59 min
